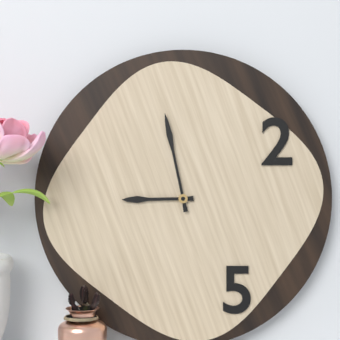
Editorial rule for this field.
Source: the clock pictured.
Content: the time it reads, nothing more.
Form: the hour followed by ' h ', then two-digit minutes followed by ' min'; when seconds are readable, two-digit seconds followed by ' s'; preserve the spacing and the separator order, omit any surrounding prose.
8 h 58 min
